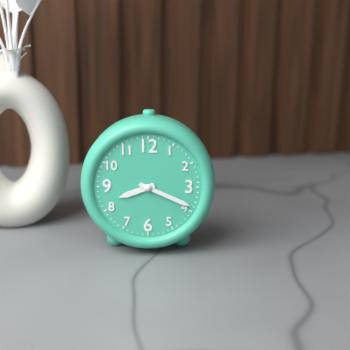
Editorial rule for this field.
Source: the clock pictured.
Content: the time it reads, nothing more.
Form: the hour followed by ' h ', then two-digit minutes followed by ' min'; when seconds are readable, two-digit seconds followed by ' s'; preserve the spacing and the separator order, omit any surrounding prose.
8 h 19 min
